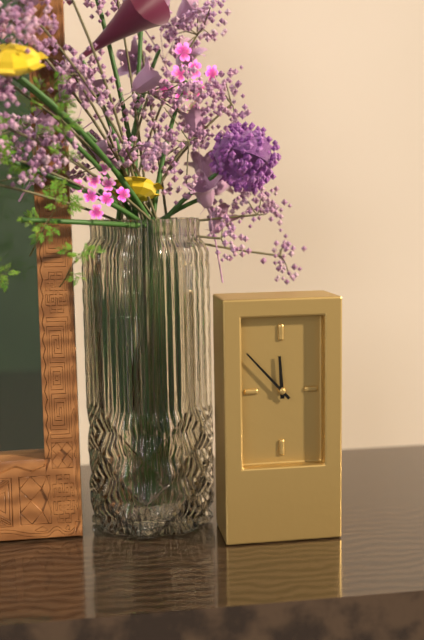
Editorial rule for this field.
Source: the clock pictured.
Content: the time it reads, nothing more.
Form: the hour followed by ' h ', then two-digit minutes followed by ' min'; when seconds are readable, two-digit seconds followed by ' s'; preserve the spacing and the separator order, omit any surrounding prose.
11 h 53 min
